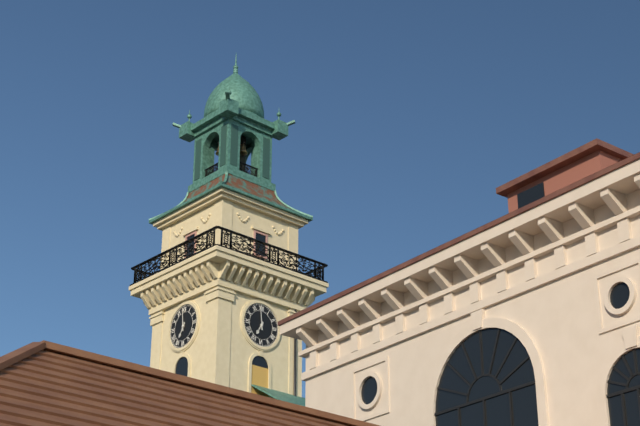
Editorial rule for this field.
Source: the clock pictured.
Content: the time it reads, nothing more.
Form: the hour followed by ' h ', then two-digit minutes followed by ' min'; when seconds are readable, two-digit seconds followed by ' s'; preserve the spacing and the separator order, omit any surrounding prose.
6 h 59 min
